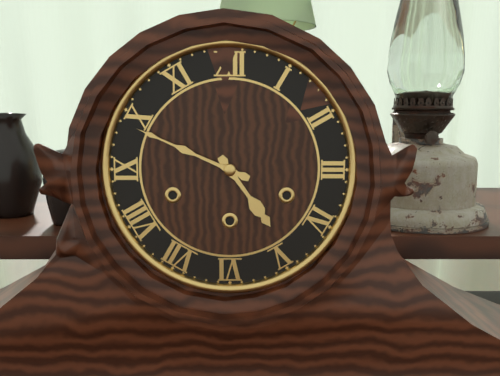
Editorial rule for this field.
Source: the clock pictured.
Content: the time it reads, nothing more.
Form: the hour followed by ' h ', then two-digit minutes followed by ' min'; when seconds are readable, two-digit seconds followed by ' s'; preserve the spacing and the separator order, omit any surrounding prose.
4 h 49 min
